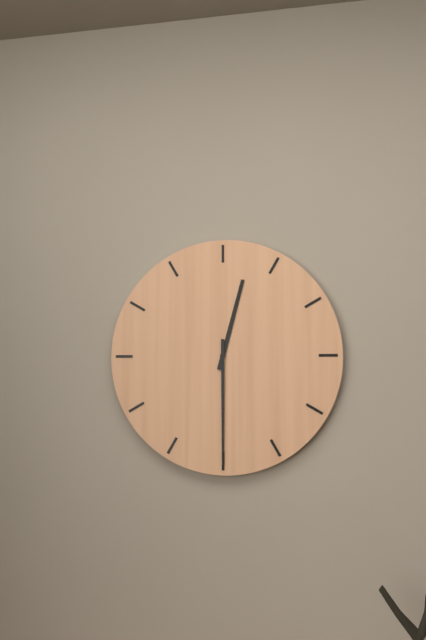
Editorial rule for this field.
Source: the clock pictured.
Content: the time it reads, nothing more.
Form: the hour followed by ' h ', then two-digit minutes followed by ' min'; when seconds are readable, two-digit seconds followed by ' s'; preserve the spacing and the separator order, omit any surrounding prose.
12 h 30 min
